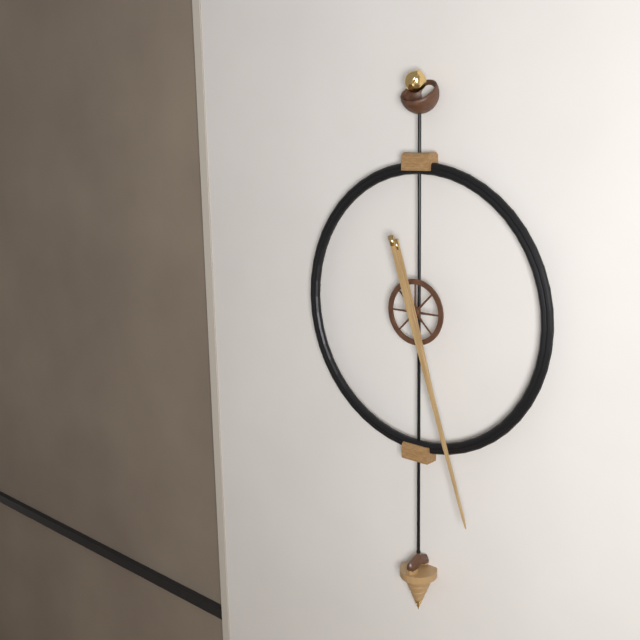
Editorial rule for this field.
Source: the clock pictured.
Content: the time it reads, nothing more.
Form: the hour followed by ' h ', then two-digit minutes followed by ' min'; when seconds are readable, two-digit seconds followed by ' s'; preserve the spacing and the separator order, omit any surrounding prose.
5 h 27 min
